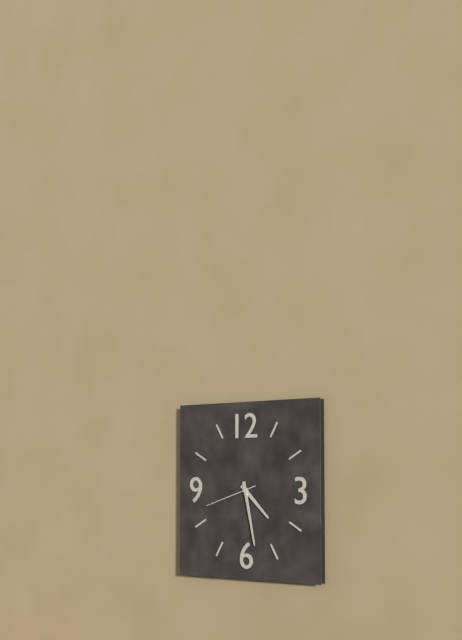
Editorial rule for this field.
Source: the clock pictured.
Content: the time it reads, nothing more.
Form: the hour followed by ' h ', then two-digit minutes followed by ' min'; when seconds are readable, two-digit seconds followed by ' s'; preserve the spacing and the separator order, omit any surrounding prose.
4 h 28 min 42 s
